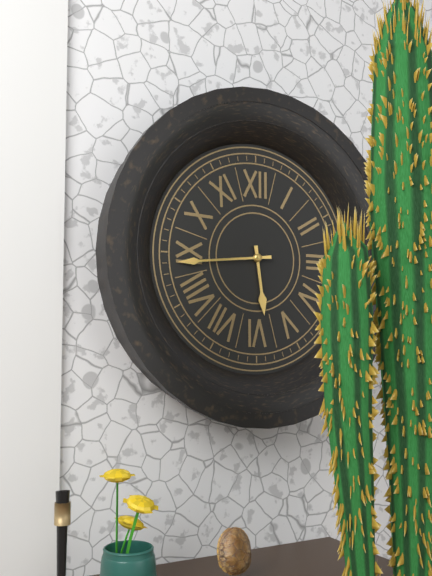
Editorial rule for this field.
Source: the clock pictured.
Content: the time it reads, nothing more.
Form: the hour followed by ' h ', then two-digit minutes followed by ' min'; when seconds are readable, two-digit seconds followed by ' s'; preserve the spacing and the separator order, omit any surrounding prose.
5 h 44 min
